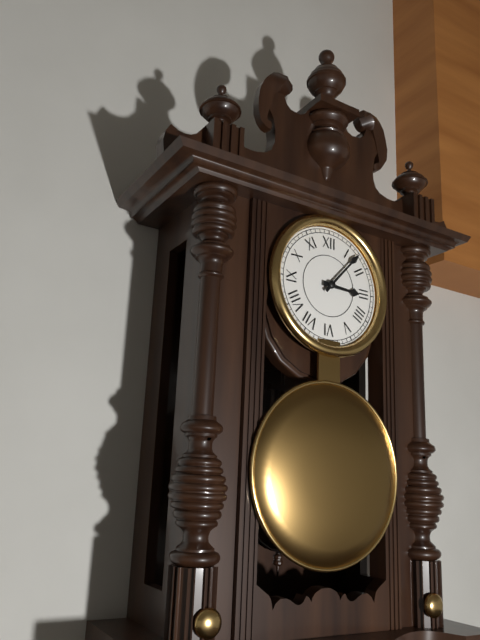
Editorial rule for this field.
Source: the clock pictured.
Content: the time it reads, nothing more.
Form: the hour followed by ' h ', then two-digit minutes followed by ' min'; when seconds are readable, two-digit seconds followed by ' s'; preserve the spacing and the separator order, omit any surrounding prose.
3 h 07 min
